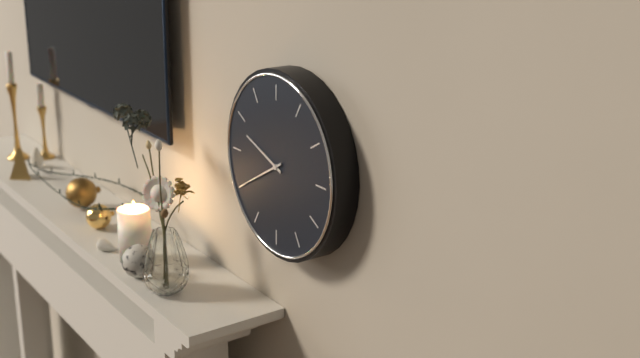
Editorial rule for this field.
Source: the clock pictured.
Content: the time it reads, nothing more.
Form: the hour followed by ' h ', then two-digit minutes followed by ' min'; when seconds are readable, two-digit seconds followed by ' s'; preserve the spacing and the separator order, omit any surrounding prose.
9 h 40 min
